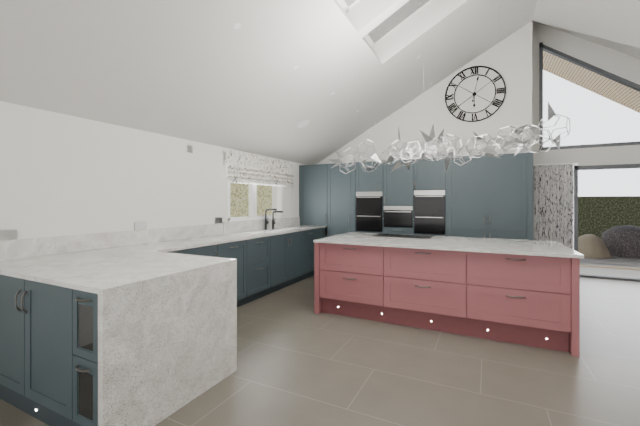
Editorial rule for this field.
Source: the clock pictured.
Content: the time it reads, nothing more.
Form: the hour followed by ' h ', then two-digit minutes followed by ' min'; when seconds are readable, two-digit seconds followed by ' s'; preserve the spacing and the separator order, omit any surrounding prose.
6 h 02 min
